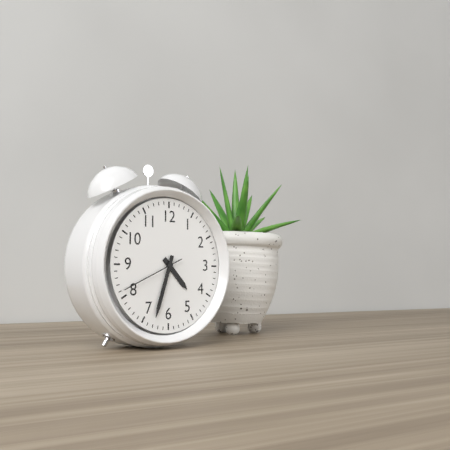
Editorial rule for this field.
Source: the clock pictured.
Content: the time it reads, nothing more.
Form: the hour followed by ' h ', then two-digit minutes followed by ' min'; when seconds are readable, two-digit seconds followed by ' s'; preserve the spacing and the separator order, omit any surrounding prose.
4 h 33 min 41 s
